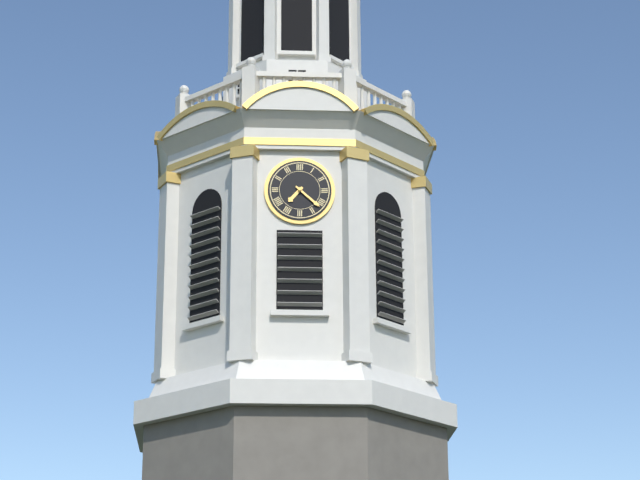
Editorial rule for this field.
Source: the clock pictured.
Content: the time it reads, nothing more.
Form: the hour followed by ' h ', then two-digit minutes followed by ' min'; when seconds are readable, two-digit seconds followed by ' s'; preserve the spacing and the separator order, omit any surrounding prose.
7 h 22 min
